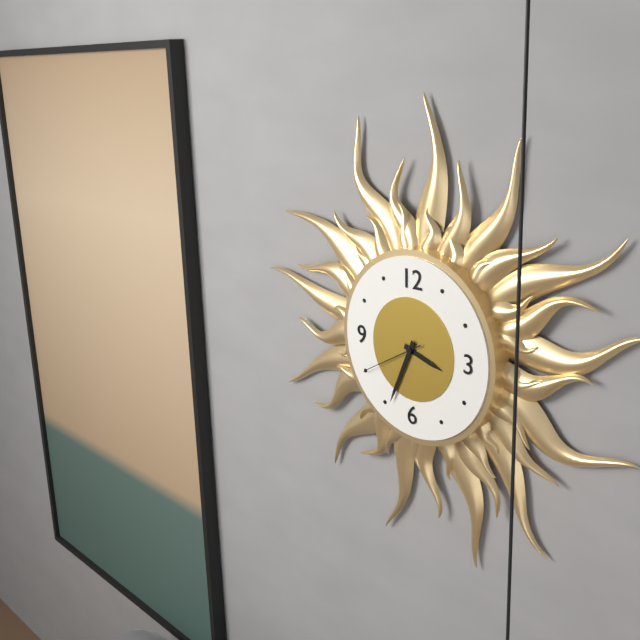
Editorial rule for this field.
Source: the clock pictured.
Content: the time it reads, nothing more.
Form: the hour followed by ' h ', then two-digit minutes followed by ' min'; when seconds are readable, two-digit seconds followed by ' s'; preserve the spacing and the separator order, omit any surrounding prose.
3 h 34 min 40 s
